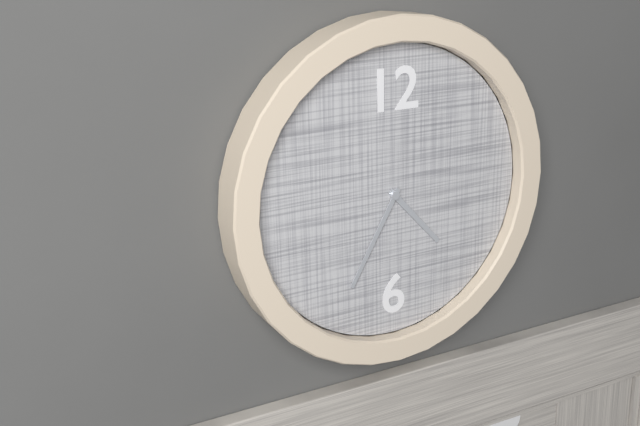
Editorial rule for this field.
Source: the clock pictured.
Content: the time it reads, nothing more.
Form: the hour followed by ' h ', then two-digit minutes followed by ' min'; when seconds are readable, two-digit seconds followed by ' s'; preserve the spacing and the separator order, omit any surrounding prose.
4 h 35 min
